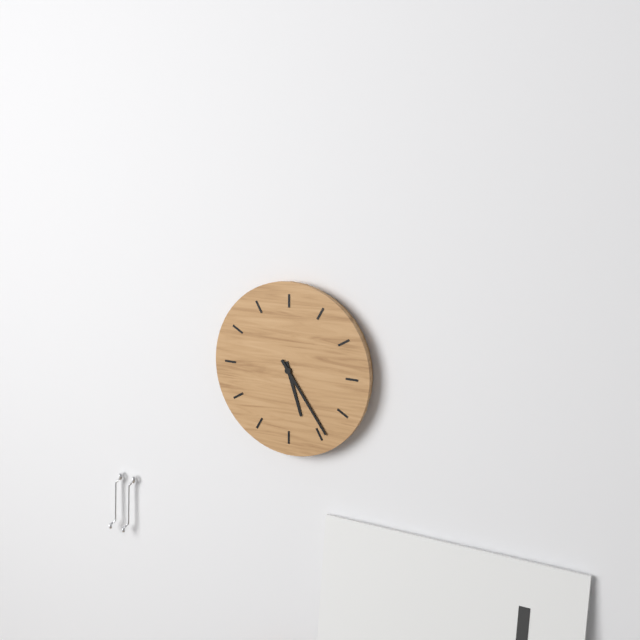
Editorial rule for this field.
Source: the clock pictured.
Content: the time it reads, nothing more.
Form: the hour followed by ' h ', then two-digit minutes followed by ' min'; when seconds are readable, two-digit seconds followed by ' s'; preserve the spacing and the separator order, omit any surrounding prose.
5 h 24 min
